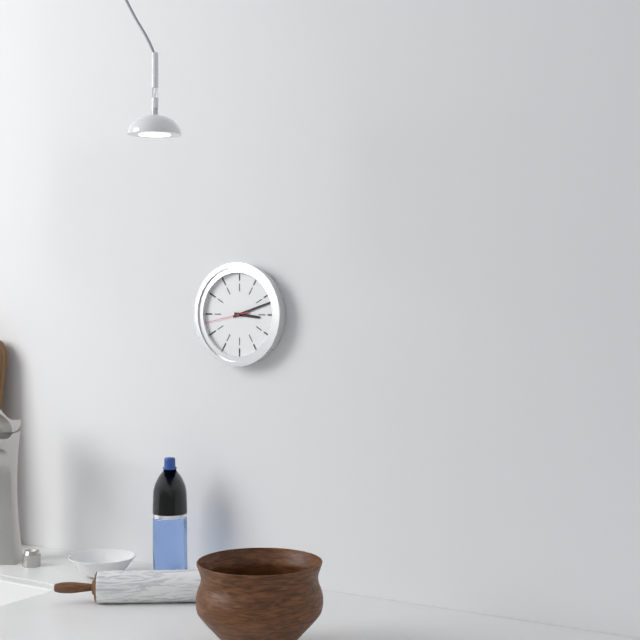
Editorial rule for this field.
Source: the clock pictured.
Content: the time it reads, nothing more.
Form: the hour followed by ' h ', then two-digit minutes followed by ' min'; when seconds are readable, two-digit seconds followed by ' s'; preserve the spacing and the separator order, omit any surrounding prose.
3 h 12 min
